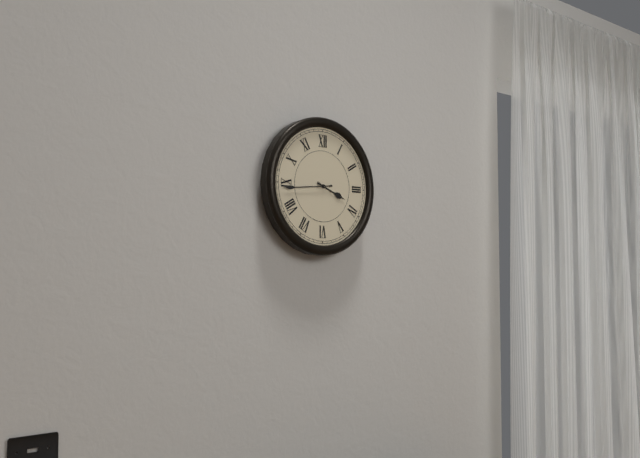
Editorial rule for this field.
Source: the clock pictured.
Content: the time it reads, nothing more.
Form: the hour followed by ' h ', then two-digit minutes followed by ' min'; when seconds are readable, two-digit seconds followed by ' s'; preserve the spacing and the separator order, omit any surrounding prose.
3 h 44 min
